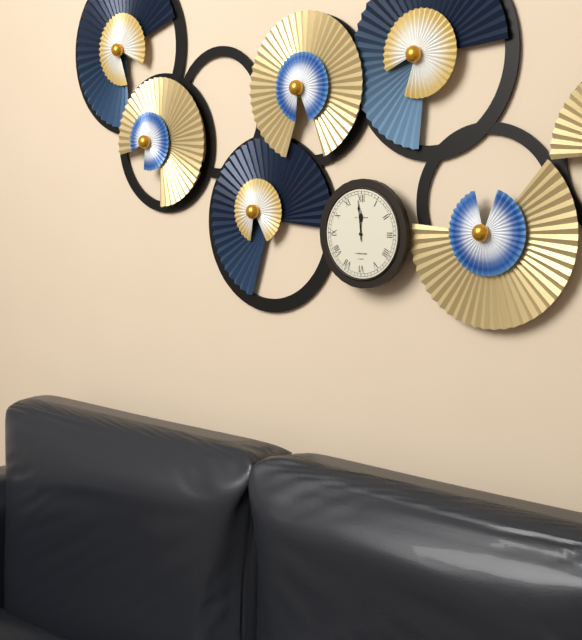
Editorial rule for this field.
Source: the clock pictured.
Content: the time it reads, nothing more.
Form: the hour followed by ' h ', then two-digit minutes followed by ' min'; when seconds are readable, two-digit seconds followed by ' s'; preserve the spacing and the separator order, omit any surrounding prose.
11 h 59 min
